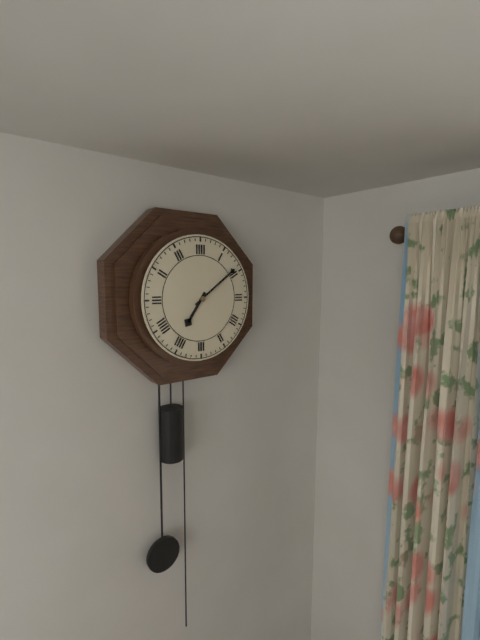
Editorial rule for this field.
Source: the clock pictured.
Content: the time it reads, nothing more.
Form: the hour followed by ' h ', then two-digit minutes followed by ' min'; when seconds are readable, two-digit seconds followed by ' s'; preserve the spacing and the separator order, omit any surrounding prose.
7 h 09 min
